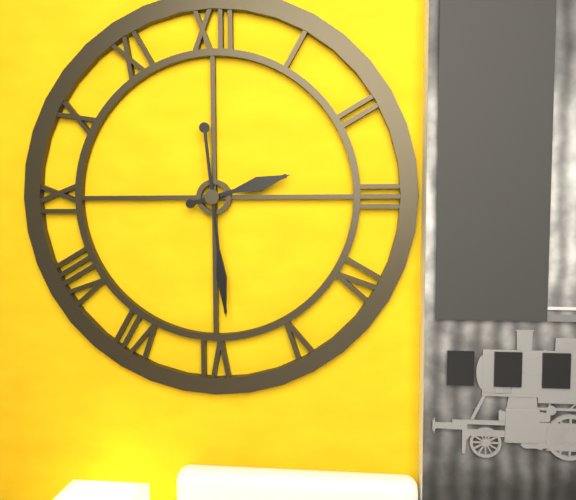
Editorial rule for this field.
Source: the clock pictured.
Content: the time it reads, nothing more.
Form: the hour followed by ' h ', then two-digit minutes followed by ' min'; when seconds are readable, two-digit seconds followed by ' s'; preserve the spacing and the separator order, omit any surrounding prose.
2 h 29 min
